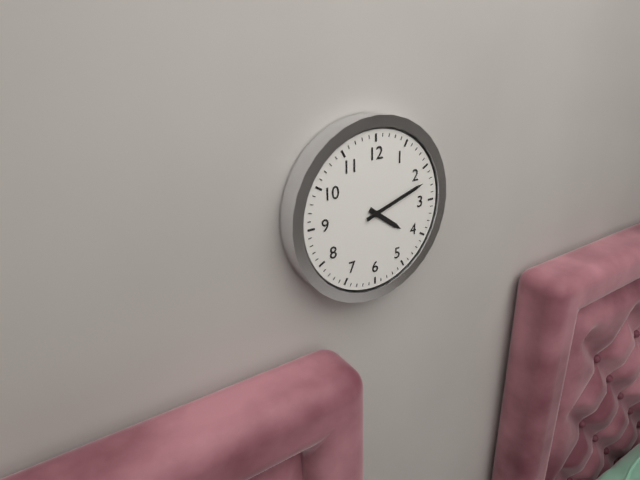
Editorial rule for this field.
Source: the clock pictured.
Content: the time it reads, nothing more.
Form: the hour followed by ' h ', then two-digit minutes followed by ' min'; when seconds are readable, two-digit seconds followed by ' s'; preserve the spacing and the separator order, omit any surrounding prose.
4 h 12 min
